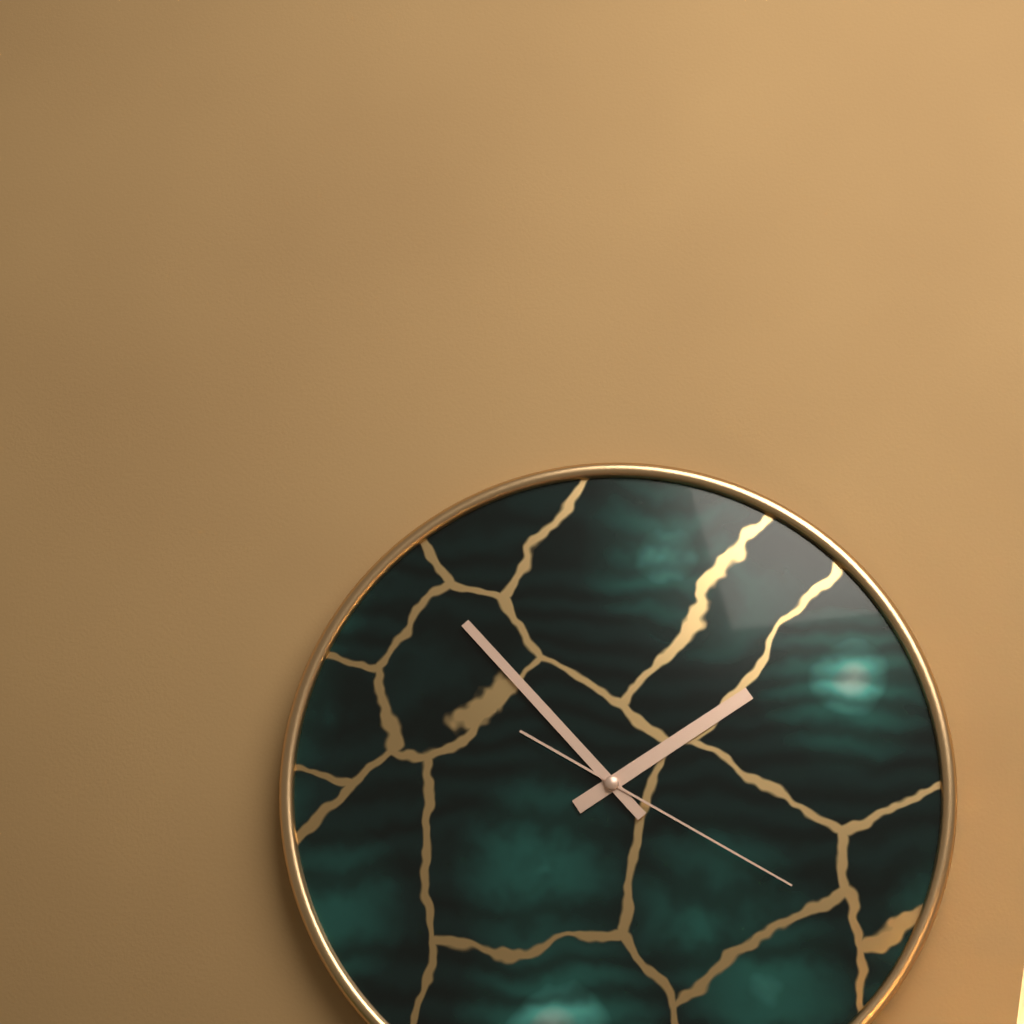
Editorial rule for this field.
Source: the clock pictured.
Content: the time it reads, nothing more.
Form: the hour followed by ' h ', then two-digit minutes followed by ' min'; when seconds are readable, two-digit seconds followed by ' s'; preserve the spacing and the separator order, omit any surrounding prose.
1 h 53 min 20 s
